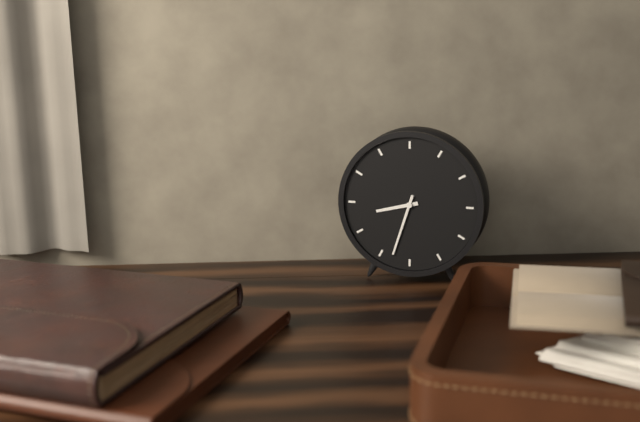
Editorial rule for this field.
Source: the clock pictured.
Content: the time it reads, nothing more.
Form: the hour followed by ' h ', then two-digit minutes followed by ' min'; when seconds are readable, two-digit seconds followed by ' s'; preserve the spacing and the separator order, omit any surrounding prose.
8 h 33 min
